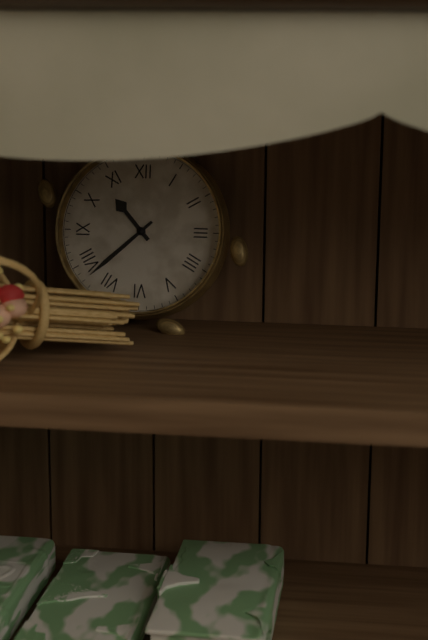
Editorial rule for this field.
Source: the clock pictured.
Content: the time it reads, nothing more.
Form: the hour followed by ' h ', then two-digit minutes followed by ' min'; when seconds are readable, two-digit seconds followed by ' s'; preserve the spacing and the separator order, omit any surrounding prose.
10 h 38 min
